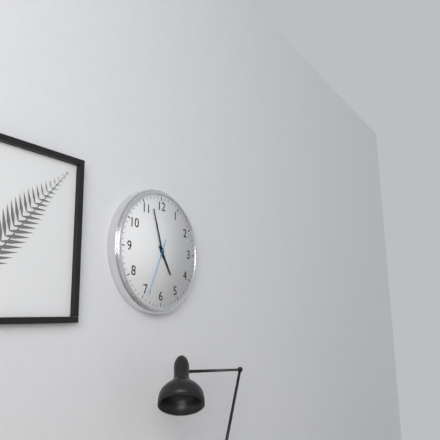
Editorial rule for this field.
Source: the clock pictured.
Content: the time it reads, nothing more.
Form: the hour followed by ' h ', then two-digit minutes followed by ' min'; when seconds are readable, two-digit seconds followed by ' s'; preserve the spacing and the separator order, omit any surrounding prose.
4 h 57 min 34 s
